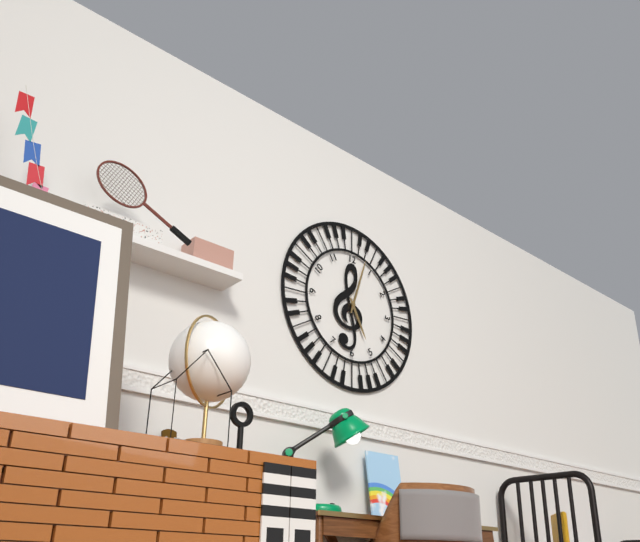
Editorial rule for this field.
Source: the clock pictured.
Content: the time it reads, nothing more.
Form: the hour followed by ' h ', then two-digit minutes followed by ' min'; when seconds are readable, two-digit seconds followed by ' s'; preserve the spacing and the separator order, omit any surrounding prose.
5 h 03 min
